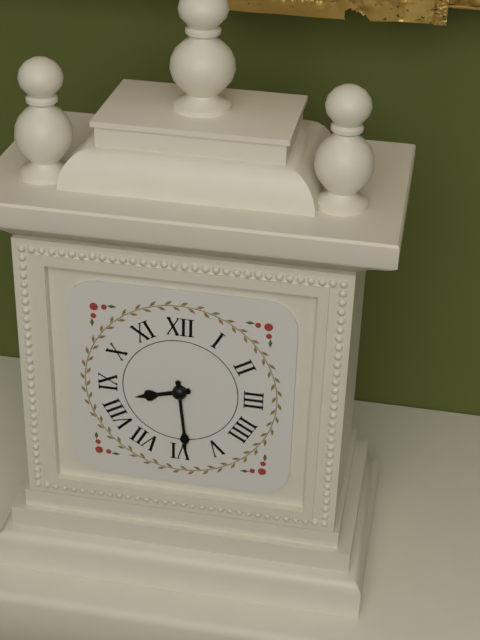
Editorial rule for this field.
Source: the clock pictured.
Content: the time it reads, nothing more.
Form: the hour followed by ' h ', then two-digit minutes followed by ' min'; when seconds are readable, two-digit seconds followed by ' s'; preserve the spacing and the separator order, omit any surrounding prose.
8 h 29 min
